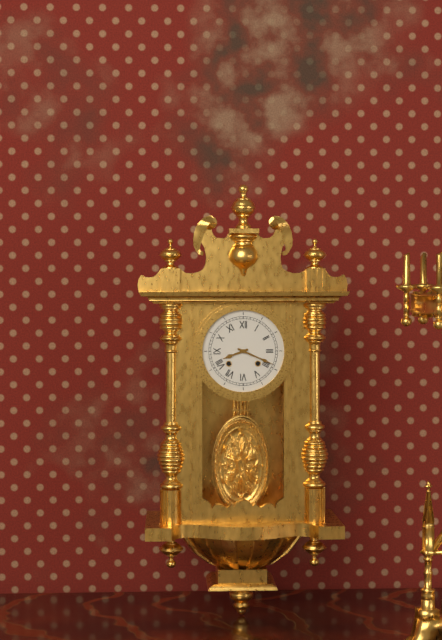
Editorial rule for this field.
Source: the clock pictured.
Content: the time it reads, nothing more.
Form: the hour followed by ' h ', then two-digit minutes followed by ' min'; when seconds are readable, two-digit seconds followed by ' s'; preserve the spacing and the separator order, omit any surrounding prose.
8 h 19 min
